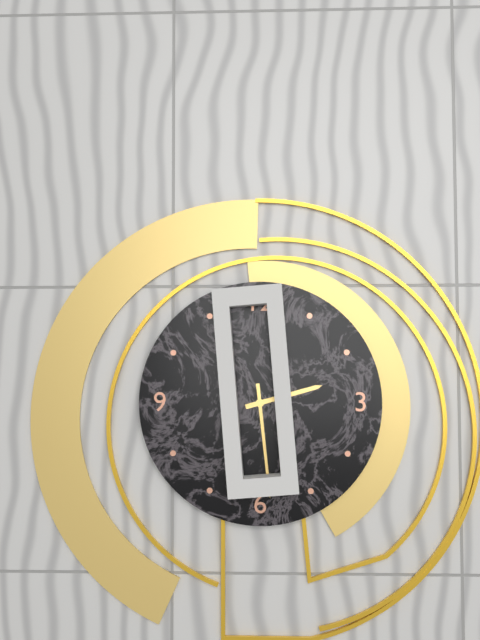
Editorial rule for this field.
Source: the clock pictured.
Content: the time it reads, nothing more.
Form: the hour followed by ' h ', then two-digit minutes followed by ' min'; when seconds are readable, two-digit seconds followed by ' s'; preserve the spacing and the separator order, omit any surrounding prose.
2 h 29 min
